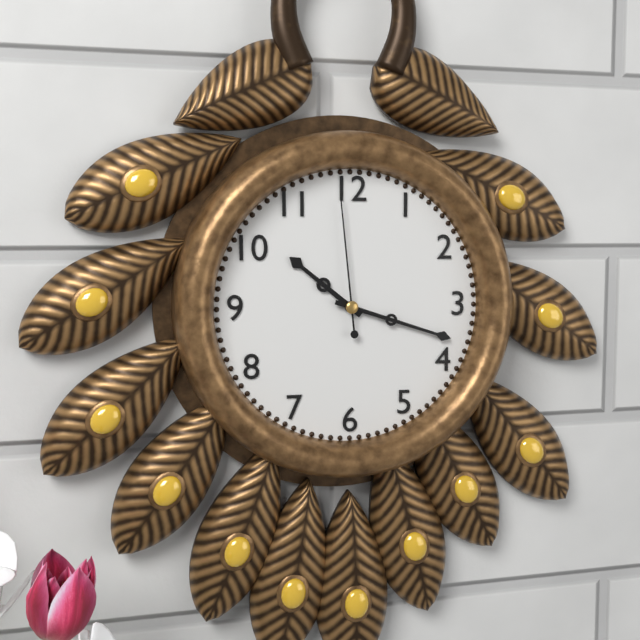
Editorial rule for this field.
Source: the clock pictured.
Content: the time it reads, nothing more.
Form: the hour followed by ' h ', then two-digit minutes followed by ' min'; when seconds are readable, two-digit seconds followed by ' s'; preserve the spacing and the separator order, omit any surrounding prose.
10 h 18 min 59 s
